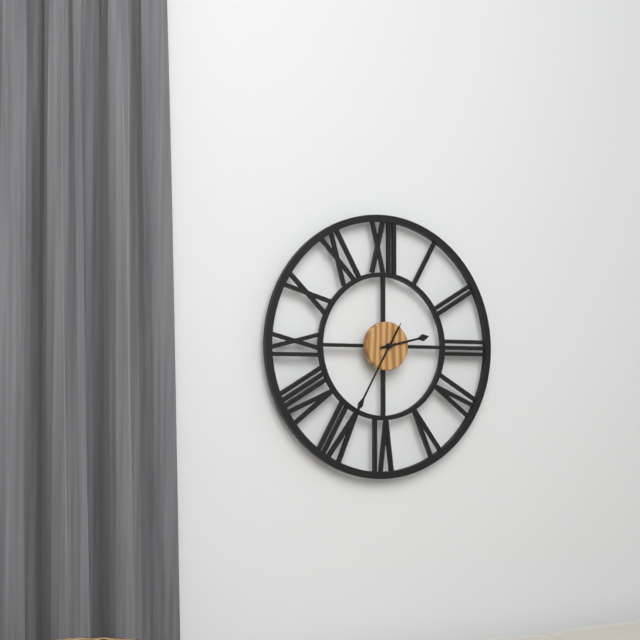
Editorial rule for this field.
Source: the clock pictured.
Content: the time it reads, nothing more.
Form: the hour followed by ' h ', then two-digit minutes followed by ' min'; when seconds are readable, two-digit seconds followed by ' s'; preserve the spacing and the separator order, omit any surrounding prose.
2 h 35 min
